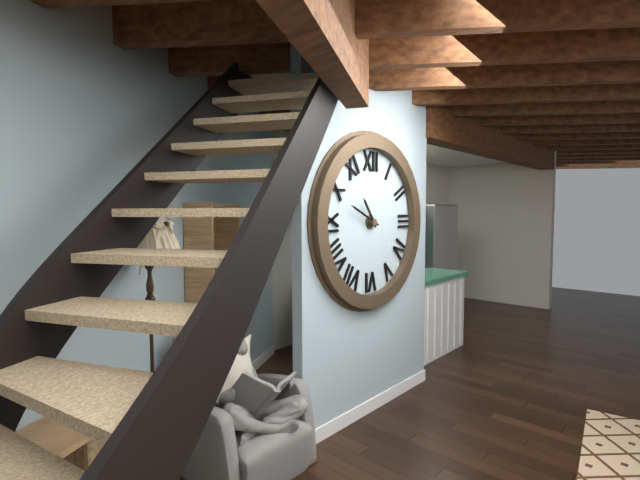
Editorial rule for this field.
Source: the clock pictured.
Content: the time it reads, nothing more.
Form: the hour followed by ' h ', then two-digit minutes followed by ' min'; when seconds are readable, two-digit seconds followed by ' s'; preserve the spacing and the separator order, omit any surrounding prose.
10 h 49 min
